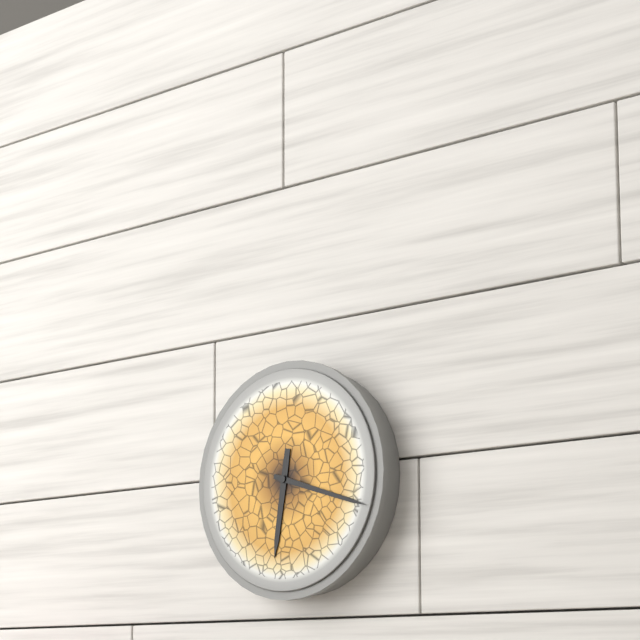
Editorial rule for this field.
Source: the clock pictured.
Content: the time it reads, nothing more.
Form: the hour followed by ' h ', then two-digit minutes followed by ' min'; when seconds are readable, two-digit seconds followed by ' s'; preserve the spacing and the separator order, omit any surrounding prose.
6 h 18 min
